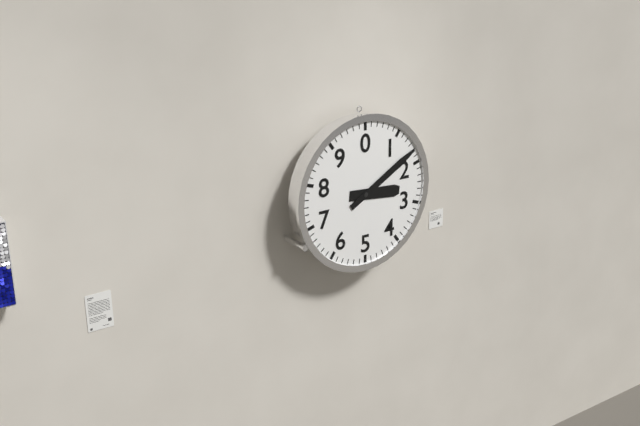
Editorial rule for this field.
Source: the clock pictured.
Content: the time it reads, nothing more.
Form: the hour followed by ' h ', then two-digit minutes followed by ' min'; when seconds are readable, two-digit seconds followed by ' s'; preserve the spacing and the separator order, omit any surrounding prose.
3 h 10 min
